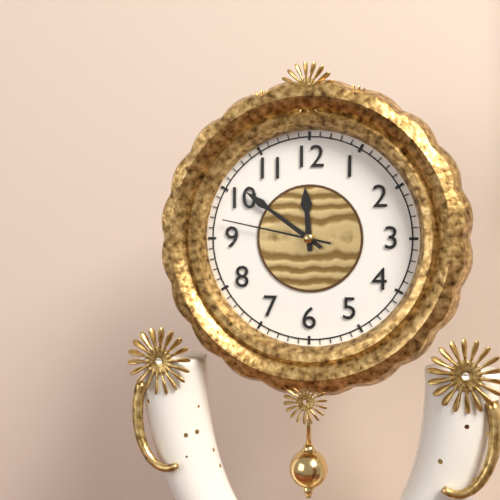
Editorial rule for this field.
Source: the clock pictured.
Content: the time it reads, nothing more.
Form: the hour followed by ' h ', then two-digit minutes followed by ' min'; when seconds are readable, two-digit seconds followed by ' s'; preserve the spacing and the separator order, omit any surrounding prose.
11 h 51 min 47 s
